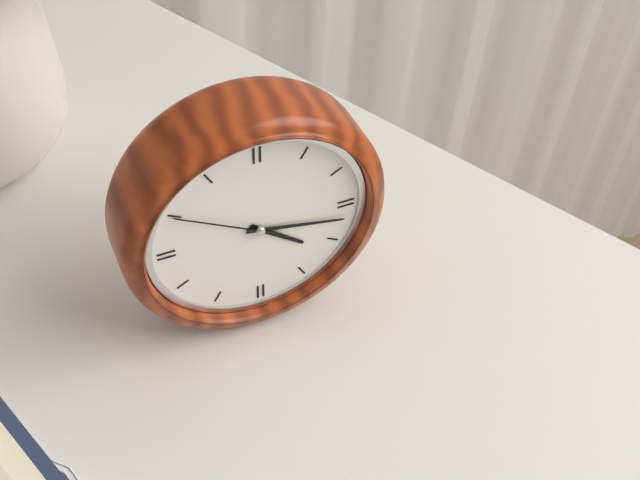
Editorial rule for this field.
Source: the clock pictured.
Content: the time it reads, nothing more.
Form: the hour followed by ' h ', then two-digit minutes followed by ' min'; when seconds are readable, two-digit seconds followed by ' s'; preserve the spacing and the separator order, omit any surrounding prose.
4 h 17 min 50 s
